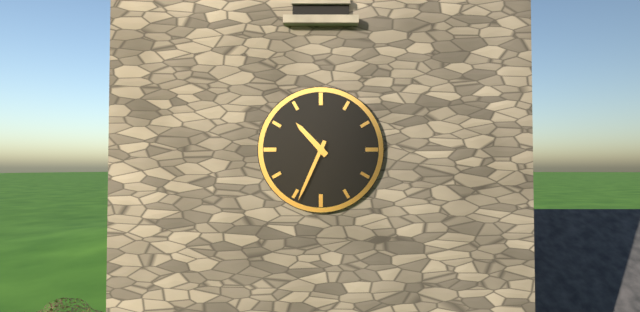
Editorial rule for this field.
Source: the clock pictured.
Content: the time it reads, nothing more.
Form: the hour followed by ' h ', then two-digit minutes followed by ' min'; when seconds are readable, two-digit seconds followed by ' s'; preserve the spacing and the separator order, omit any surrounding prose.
10 h 34 min
